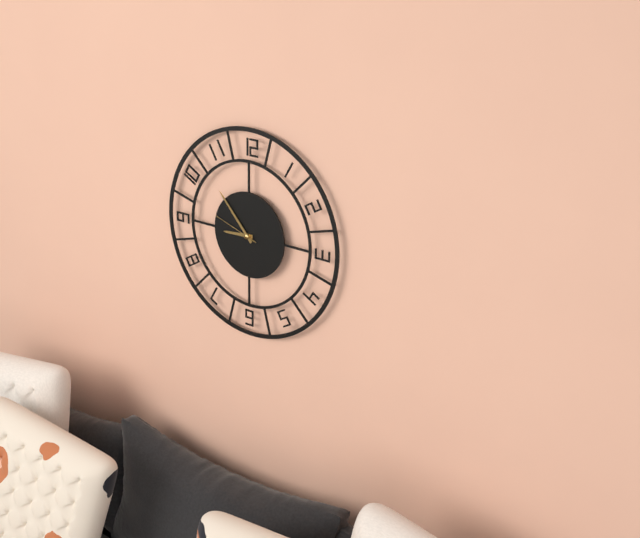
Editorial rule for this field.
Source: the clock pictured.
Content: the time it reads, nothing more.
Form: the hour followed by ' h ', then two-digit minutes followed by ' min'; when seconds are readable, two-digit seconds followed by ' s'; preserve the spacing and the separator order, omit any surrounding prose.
8 h 53 min
